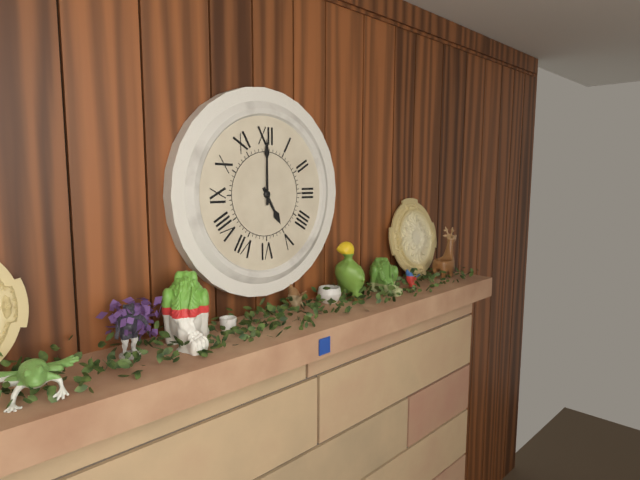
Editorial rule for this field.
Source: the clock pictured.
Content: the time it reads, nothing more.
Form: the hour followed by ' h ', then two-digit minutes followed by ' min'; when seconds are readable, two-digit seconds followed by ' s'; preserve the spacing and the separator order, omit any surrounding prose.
5 h 00 min
